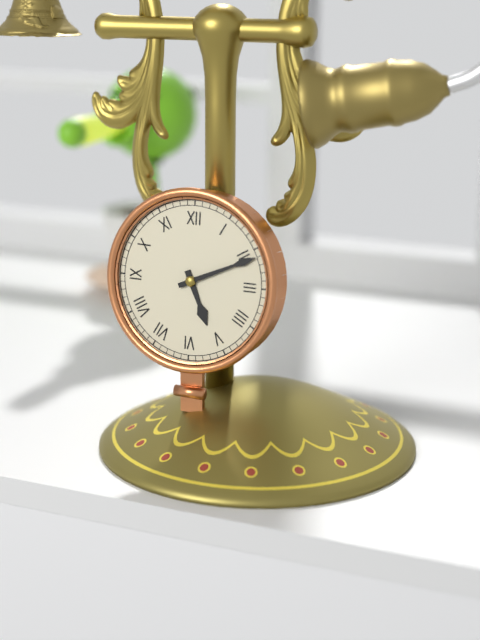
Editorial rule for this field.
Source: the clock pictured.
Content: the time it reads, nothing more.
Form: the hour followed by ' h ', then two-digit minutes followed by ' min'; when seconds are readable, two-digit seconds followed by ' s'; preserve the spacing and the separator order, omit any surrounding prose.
5 h 11 min
